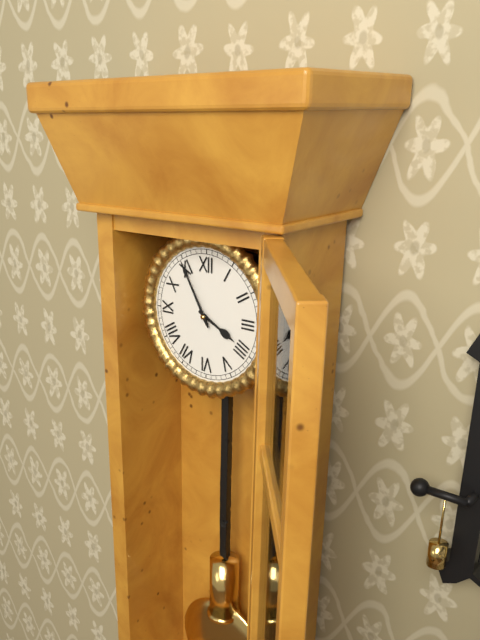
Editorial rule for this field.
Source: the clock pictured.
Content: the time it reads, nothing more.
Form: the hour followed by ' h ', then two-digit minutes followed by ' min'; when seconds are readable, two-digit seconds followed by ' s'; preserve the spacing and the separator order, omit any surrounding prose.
3 h 55 min
